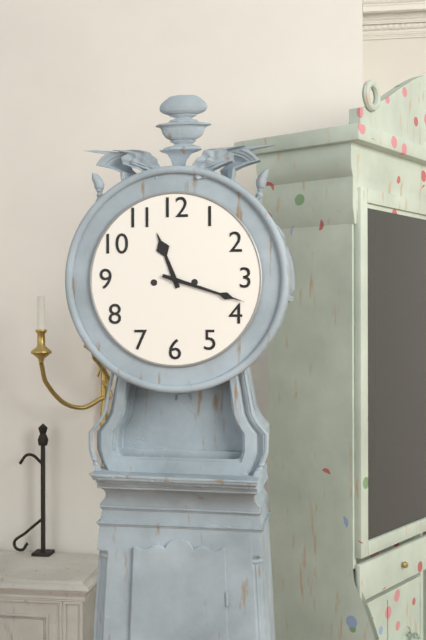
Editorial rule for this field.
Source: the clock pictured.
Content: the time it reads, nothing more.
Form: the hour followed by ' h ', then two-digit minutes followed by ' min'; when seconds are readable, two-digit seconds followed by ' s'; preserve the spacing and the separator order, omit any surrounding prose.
11 h 18 min
